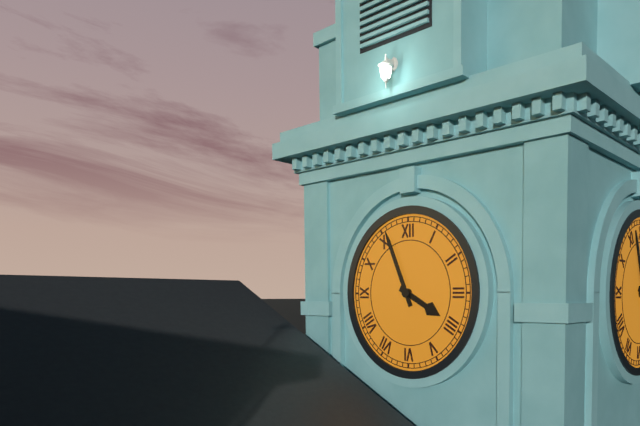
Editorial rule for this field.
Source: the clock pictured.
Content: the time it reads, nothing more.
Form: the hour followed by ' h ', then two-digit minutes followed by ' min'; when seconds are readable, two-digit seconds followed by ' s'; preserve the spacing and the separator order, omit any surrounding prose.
3 h 56 min
